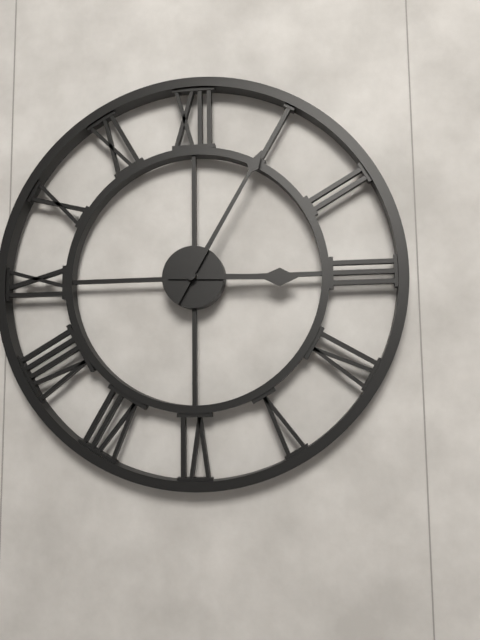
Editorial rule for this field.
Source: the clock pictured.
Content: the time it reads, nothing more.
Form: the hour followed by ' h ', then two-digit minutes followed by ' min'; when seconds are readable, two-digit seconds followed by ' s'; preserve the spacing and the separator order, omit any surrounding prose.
3 h 05 min
